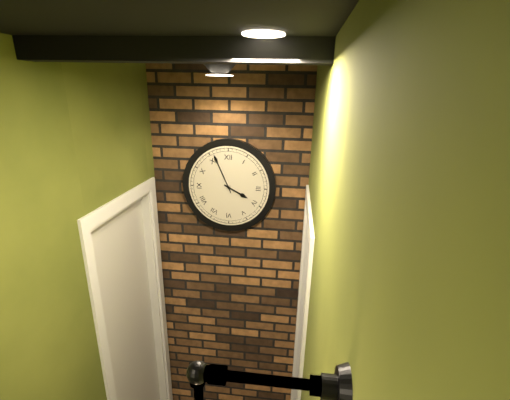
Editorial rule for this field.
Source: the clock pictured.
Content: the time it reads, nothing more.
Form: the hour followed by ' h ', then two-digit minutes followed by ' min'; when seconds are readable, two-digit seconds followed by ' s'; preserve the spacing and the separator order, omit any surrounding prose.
3 h 56 min
